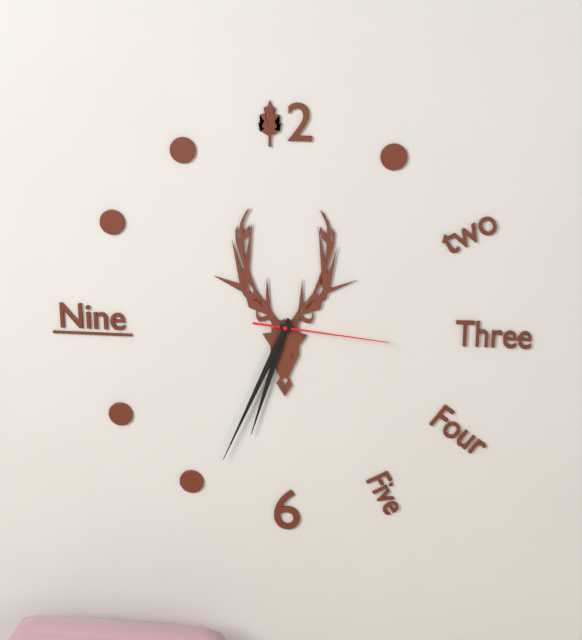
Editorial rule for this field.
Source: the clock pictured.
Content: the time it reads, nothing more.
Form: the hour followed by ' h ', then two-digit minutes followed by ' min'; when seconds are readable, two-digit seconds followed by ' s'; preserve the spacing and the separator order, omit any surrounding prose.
6 h 34 min 16 s
